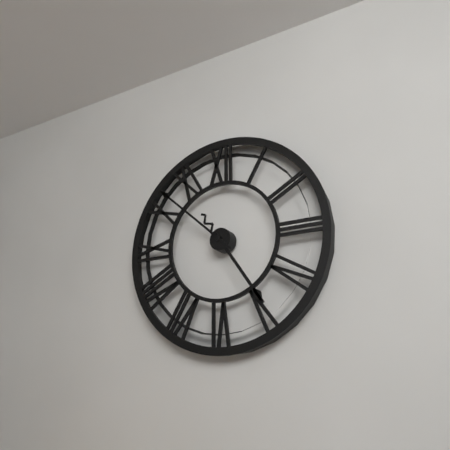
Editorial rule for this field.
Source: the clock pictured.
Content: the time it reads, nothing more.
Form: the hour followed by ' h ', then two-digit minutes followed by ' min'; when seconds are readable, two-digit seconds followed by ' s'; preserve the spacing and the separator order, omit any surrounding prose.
4 h 52 min
